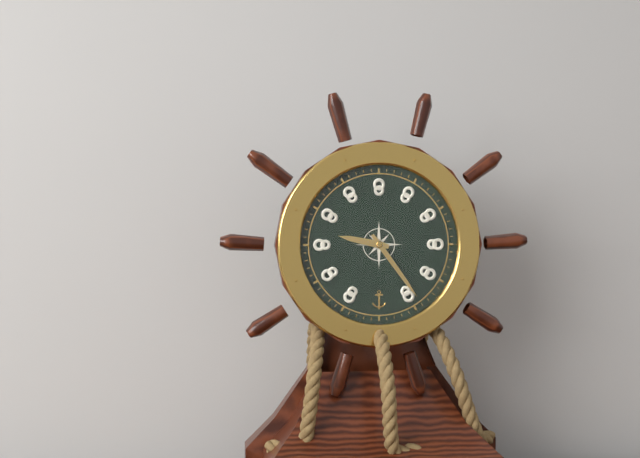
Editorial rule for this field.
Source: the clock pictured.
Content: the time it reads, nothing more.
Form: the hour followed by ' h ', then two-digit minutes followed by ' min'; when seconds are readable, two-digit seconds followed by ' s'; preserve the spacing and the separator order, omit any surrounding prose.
9 h 24 min
